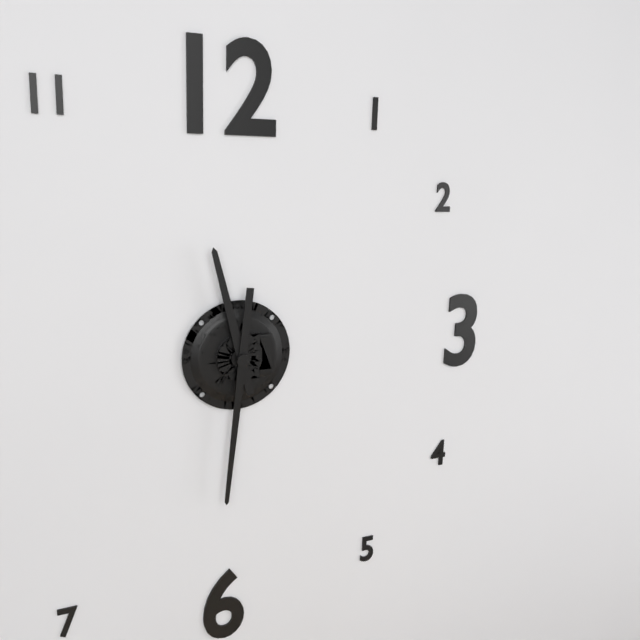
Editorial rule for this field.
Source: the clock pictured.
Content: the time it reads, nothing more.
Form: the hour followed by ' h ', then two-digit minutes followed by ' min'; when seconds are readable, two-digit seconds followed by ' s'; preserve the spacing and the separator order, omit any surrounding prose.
11 h 31 min
